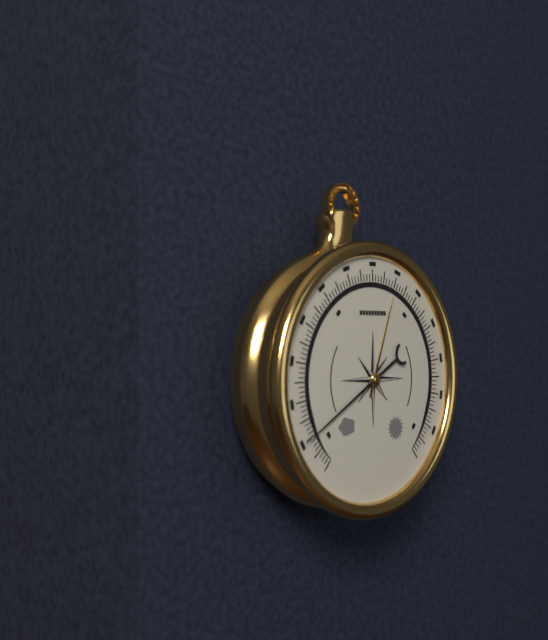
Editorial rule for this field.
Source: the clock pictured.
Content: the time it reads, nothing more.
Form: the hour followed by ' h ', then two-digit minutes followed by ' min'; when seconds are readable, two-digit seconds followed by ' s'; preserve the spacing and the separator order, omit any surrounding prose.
12 h 40 min
